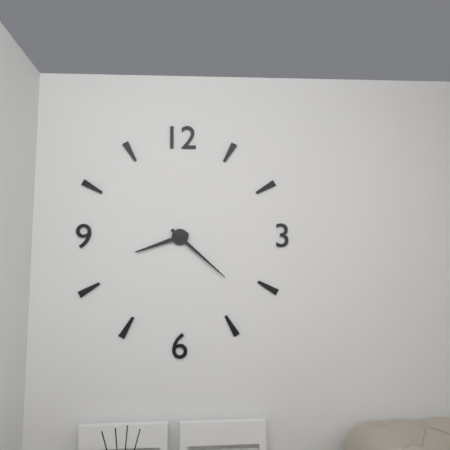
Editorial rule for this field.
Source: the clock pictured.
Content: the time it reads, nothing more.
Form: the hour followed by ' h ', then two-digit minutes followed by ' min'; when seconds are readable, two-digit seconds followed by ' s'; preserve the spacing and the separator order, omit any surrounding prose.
8 h 22 min
